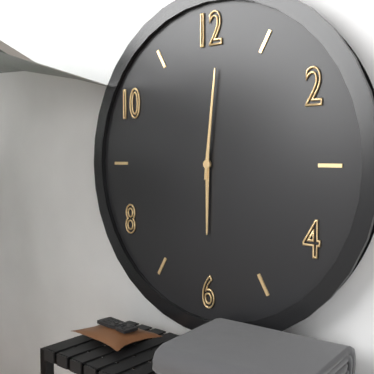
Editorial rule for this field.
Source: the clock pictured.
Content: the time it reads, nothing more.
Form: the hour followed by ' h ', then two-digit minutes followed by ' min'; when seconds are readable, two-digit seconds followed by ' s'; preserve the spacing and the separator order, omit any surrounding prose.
6 h 01 min
